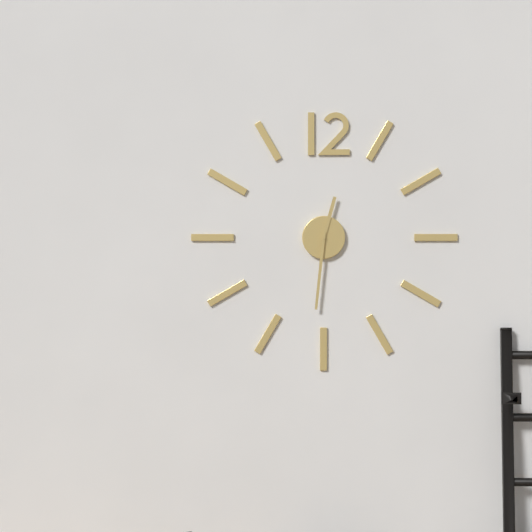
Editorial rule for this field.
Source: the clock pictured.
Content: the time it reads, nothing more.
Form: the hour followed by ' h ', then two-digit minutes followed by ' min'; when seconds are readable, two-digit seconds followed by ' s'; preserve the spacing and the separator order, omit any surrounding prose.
12 h 31 min
